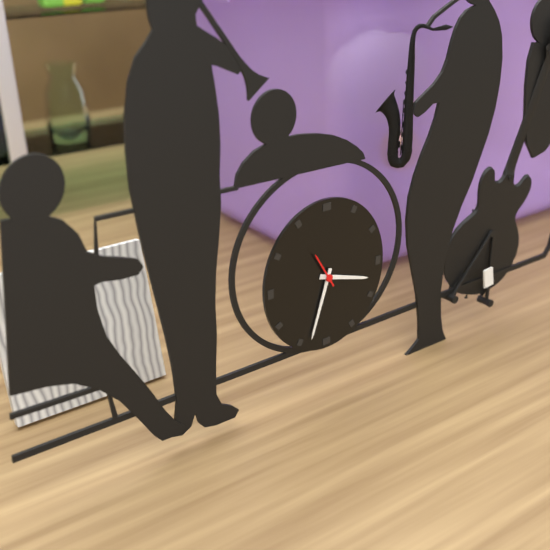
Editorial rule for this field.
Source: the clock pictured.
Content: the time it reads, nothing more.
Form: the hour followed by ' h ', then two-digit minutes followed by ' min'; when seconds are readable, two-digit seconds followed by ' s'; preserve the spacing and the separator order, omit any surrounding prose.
3 h 33 min
